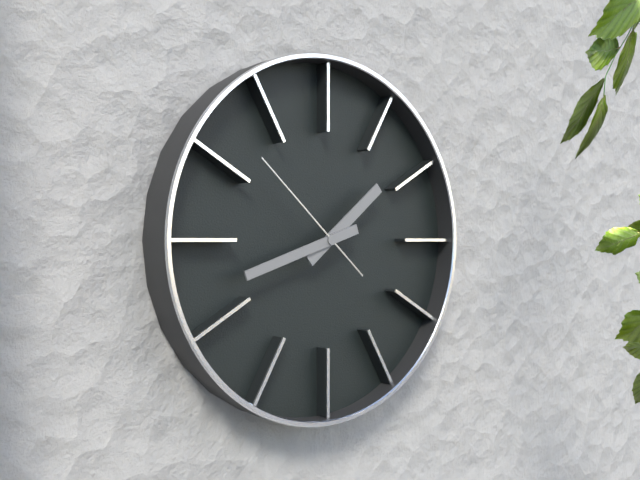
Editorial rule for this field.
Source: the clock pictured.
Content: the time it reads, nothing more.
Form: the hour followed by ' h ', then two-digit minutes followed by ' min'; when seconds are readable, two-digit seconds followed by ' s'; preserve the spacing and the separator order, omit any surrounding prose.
1 h 42 min 52 s
